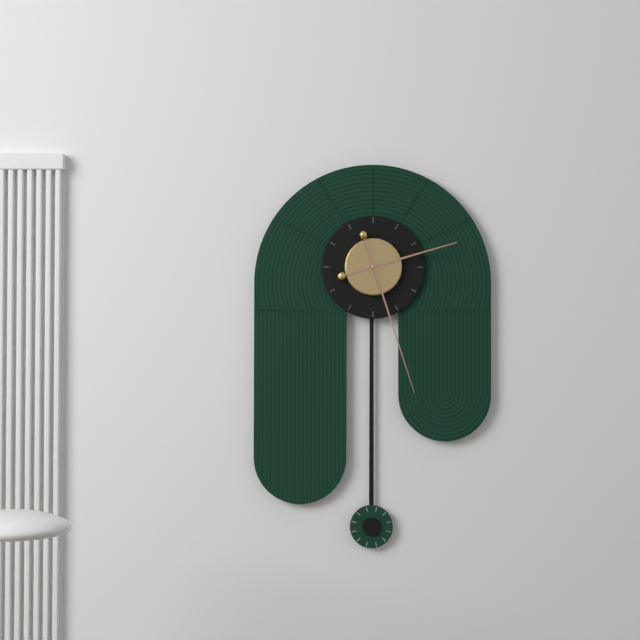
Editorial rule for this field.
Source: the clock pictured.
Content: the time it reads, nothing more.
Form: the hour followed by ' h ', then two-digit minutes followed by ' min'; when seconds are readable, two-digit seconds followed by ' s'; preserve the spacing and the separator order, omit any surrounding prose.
2 h 27 min
